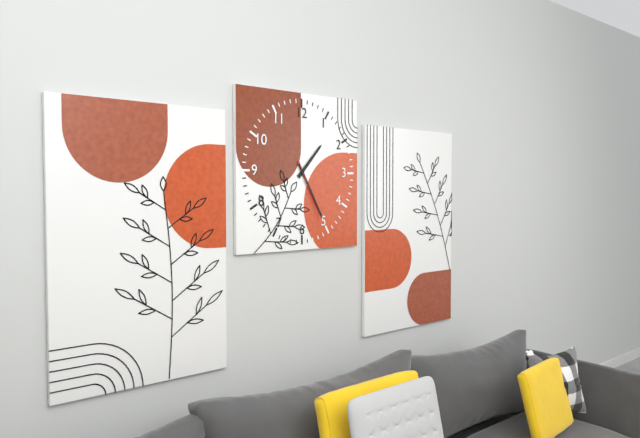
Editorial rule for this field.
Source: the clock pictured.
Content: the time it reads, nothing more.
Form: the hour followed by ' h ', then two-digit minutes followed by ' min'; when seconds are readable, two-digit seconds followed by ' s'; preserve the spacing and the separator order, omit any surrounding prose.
1 h 25 min 26 s
